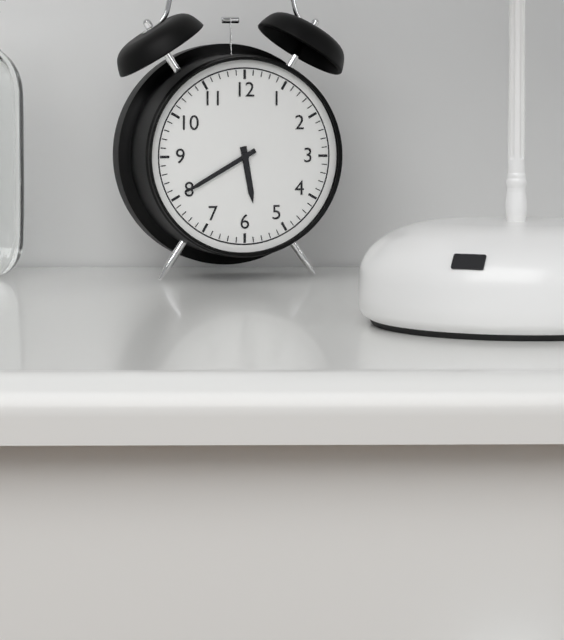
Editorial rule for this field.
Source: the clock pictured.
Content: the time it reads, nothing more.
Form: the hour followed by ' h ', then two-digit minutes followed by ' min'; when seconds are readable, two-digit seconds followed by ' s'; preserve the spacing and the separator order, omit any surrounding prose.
5 h 40 min
